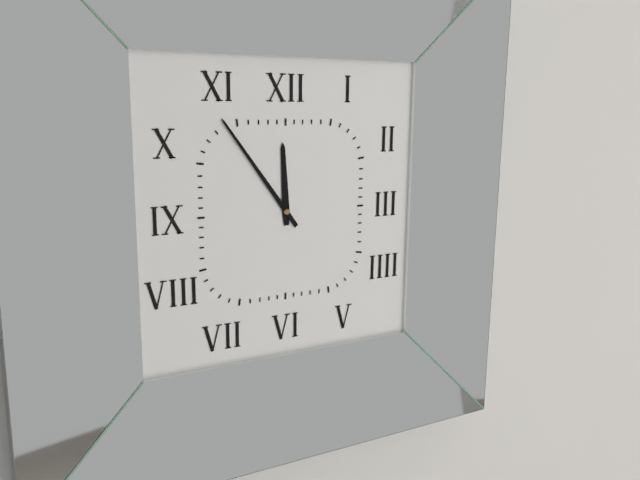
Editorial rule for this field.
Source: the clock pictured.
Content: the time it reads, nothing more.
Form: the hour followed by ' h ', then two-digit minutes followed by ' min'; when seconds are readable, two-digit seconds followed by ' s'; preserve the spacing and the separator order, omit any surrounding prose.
11 h 54 min
